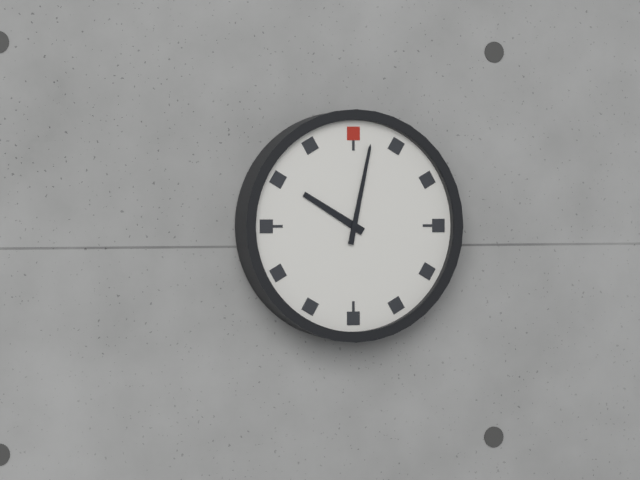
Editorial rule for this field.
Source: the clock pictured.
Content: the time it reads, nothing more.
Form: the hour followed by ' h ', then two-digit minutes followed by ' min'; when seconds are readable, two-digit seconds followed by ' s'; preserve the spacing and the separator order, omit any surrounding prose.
10 h 02 min
